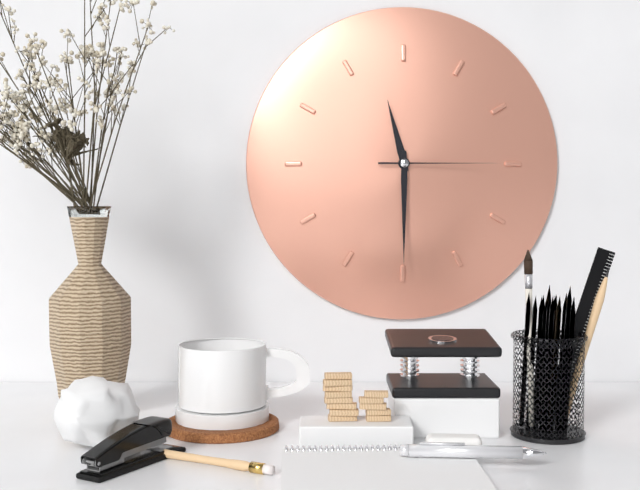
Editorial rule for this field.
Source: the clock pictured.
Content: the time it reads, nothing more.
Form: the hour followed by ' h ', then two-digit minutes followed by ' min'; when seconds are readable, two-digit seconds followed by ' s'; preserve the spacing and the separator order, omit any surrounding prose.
11 h 30 min 15 s
